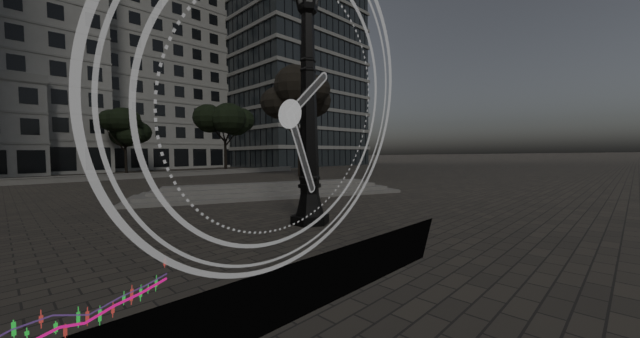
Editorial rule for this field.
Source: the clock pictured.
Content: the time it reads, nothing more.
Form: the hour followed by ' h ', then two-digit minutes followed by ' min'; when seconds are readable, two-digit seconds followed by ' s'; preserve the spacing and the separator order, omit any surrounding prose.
1 h 25 min
